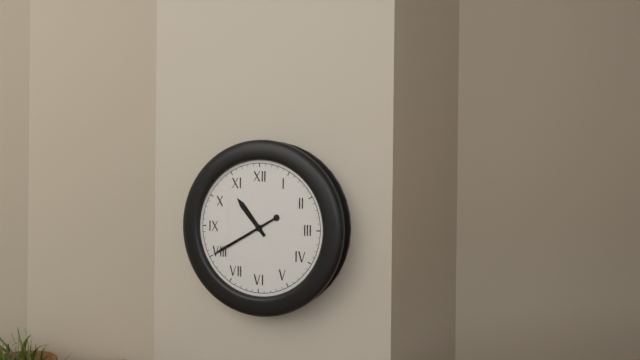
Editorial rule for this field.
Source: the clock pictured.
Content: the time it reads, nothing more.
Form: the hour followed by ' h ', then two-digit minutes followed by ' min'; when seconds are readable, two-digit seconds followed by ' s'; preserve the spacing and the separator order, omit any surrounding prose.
10 h 40 min
